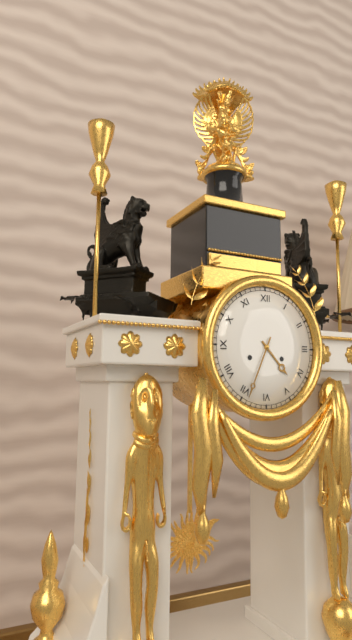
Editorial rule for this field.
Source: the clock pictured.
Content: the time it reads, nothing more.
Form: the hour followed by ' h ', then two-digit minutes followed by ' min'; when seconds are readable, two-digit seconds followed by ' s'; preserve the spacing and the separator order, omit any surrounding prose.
4 h 34 min
